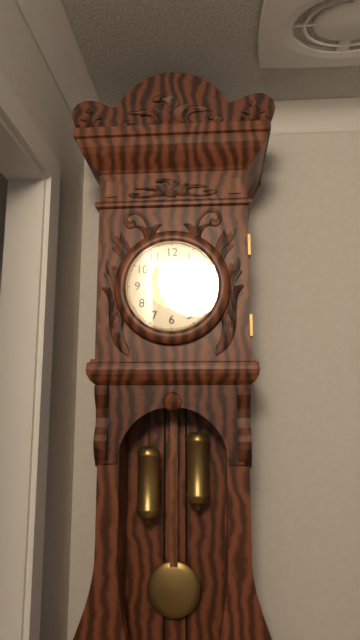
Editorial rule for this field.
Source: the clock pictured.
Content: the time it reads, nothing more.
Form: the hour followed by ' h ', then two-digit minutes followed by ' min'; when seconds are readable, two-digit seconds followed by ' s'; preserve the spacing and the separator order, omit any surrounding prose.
3 h 10 min
